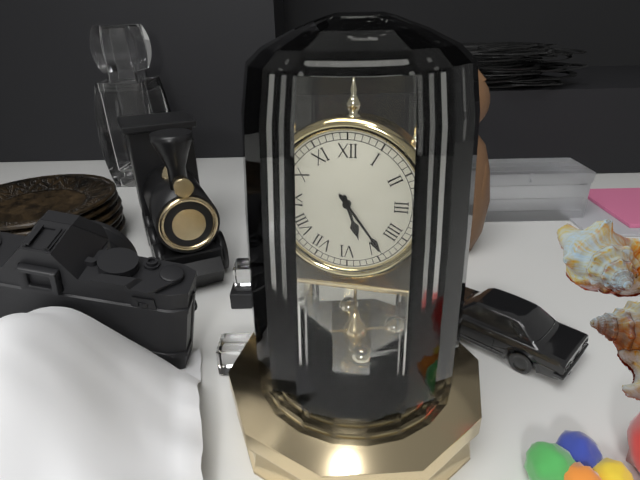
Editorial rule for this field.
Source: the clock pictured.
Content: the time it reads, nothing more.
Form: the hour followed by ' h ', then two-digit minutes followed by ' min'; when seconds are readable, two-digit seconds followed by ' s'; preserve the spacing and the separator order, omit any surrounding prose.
5 h 24 min
